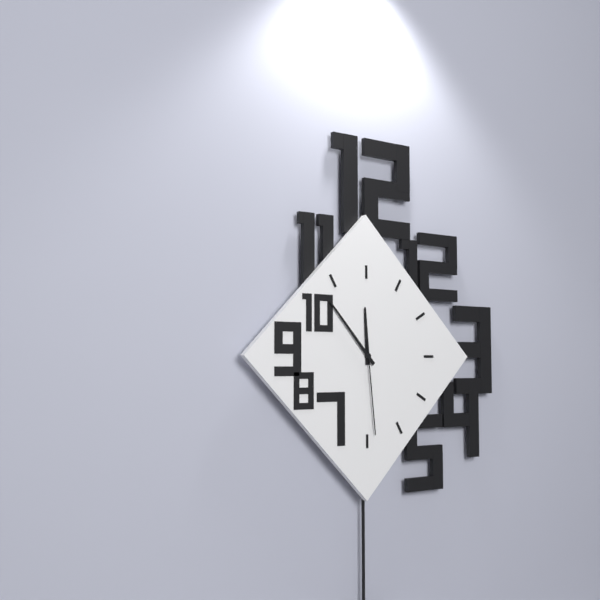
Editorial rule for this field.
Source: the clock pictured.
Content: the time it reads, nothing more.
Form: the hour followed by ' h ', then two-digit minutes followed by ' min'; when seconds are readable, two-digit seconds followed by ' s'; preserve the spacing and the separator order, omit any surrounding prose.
11 h 53 min 29 s
